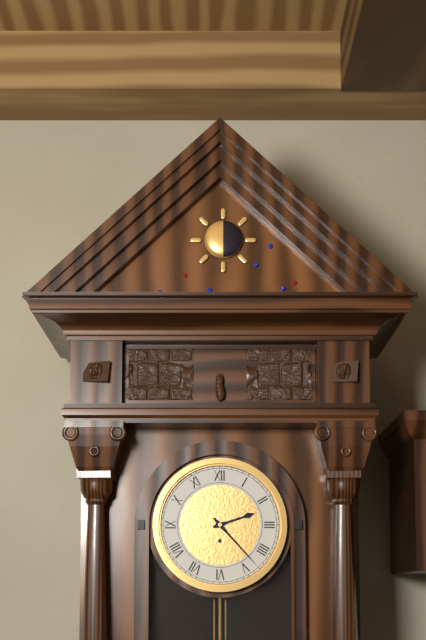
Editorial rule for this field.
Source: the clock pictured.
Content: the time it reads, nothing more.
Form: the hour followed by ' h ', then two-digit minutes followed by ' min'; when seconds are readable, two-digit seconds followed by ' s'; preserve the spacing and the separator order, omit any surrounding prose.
2 h 23 min
